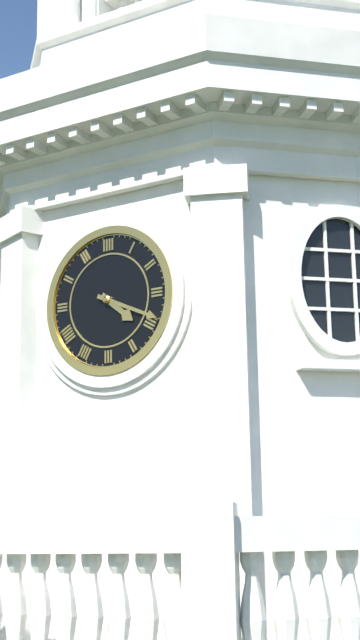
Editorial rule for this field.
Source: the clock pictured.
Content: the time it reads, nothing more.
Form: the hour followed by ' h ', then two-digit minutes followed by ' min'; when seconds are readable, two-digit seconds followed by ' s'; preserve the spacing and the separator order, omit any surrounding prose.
4 h 19 min
